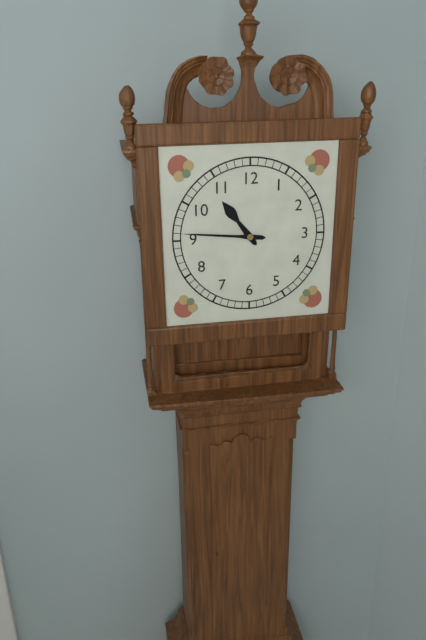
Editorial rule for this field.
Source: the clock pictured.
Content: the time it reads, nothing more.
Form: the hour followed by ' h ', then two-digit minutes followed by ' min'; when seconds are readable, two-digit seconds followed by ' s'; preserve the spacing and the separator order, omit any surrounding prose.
10 h 46 min
